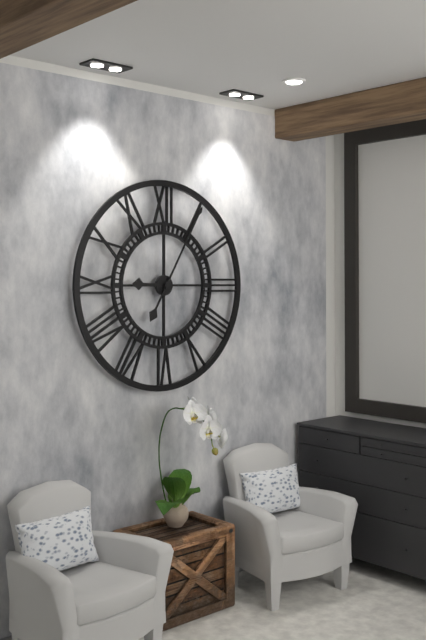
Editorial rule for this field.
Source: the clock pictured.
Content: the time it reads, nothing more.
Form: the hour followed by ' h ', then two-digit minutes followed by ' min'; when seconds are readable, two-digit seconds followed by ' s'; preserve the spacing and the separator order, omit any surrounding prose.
9 h 05 min
